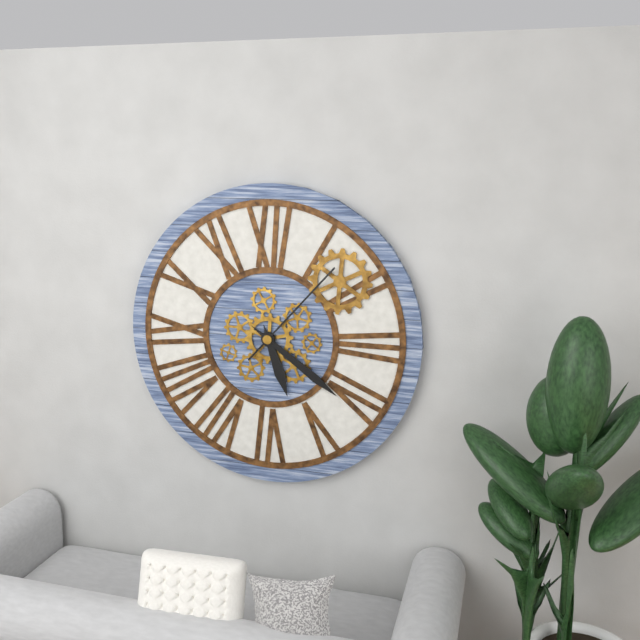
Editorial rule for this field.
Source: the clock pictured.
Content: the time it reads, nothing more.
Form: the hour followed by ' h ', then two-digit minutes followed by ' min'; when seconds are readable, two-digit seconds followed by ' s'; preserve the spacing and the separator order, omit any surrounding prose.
5 h 21 min 07 s
